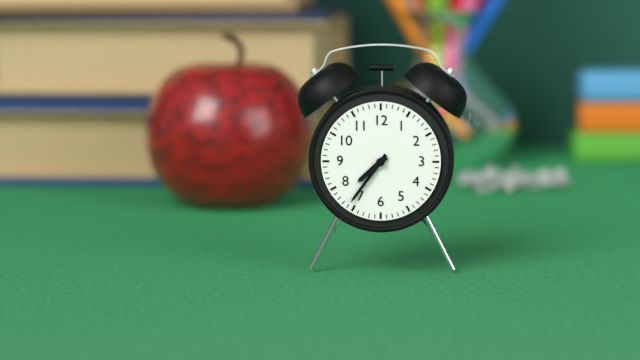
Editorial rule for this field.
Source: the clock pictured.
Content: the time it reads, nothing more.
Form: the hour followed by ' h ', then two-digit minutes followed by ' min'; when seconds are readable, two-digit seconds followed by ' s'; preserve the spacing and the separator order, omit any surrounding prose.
7 h 36 min
